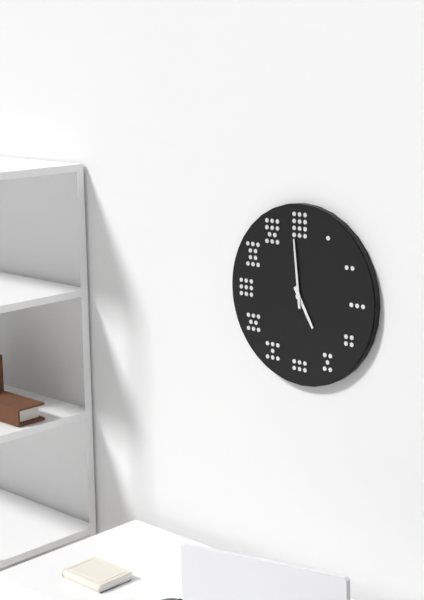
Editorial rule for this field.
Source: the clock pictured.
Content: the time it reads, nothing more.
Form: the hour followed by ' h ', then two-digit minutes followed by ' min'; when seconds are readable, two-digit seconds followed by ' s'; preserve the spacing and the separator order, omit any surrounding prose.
4 h 59 min
